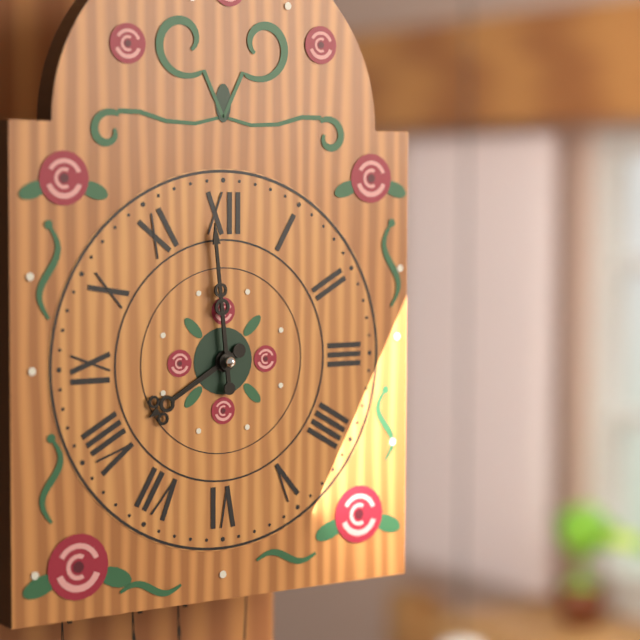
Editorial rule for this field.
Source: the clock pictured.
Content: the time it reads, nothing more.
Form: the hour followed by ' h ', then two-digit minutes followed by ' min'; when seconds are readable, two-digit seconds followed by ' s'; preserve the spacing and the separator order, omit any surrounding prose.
7 h 59 min
